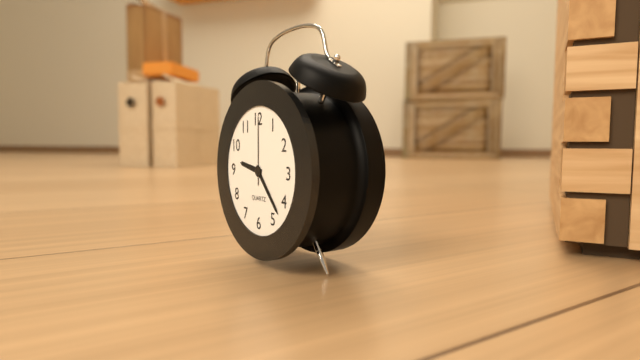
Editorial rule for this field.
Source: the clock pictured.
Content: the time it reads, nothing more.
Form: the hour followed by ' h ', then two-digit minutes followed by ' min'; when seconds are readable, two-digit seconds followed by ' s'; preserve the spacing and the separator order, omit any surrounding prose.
9 h 23 min 00 s
